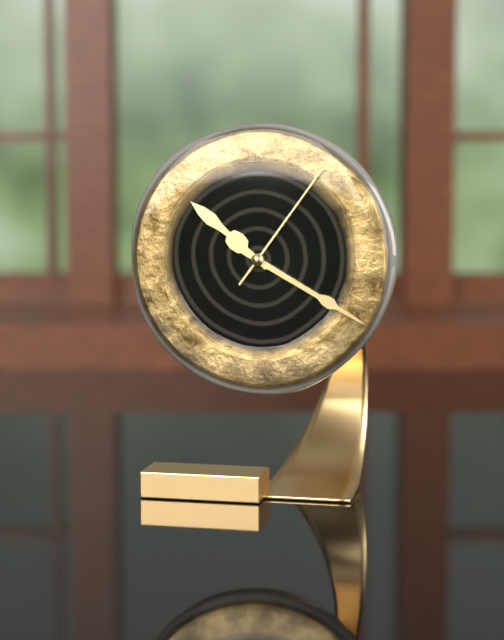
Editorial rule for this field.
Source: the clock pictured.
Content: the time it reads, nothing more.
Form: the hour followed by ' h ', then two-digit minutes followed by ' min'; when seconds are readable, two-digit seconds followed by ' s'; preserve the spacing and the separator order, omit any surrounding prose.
10 h 20 min 06 s
